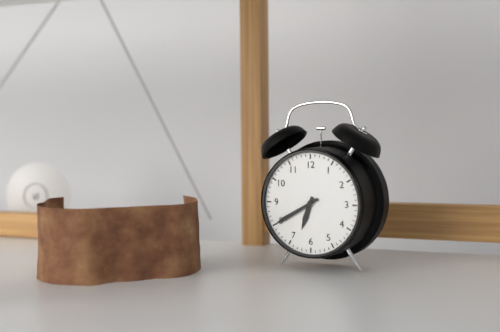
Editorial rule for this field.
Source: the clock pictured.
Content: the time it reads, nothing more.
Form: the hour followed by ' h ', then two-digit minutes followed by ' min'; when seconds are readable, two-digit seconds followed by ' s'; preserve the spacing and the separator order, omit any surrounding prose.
6 h 40 min
